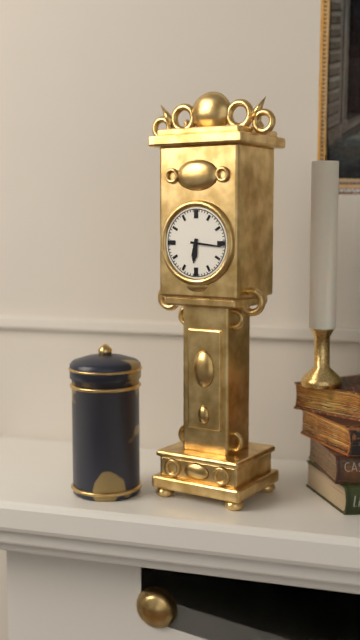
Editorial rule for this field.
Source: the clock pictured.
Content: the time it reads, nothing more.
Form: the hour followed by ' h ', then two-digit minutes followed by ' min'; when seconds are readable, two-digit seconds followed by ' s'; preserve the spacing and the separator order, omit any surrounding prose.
6 h 16 min
